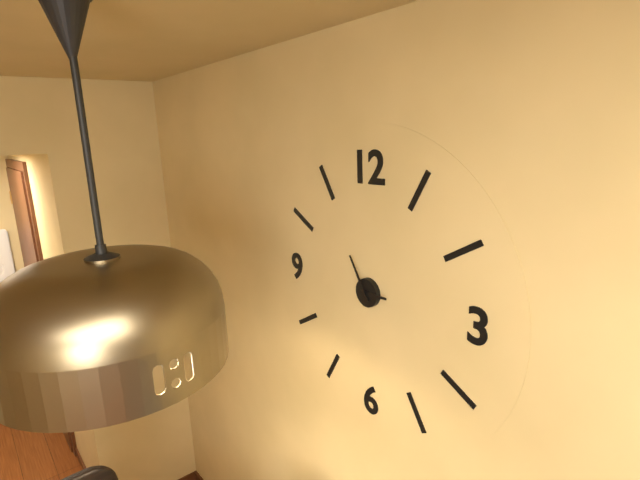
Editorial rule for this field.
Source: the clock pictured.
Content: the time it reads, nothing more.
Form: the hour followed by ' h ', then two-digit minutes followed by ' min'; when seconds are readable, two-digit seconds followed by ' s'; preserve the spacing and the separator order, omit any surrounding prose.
2 h 55 min
